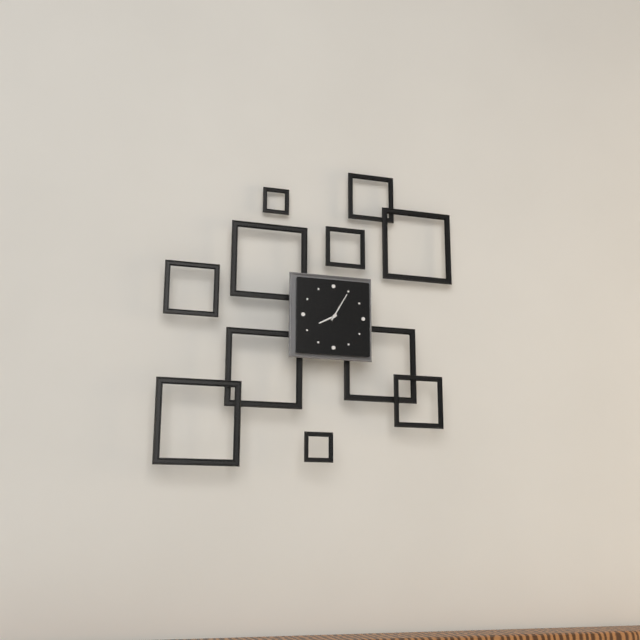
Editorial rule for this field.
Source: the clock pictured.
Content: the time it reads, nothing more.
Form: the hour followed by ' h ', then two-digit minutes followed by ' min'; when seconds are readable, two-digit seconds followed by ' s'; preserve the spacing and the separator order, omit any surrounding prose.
8 h 05 min
